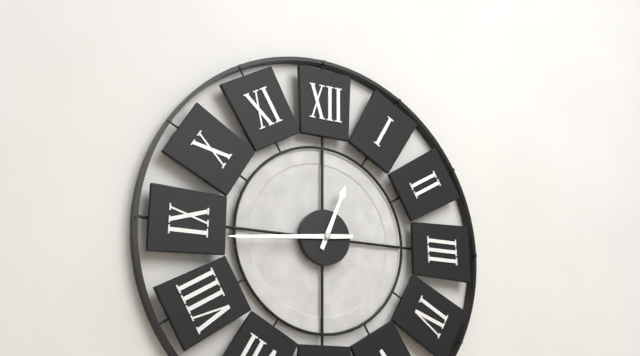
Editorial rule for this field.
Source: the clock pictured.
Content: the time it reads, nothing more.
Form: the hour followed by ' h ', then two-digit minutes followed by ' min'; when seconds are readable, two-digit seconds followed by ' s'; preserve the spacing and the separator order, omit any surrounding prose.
12 h 44 min
